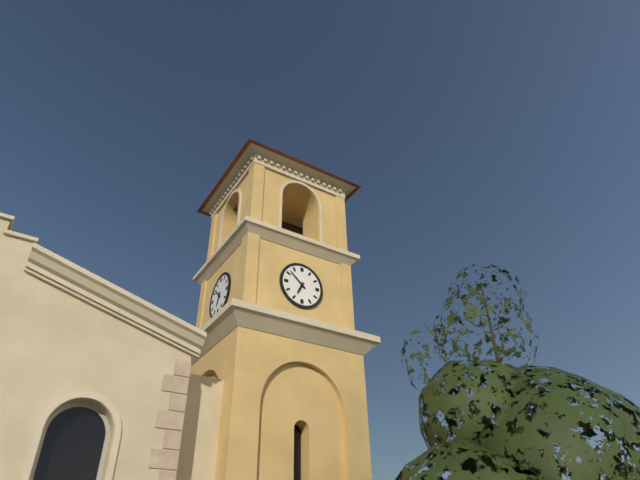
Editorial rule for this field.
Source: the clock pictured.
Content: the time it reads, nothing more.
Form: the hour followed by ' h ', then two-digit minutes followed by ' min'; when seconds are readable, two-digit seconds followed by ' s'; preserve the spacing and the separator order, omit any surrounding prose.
6 h 52 min
